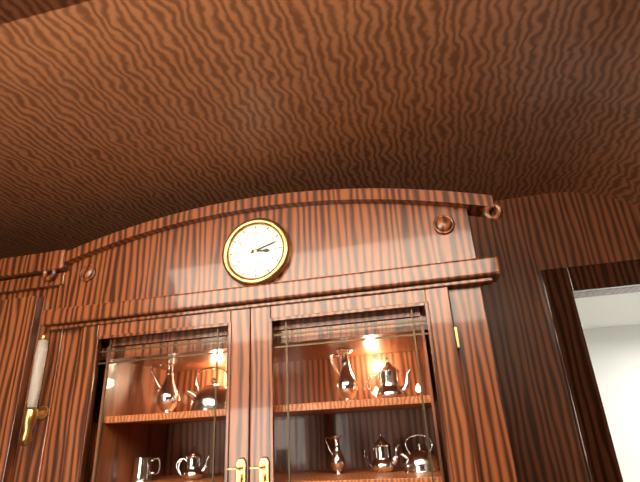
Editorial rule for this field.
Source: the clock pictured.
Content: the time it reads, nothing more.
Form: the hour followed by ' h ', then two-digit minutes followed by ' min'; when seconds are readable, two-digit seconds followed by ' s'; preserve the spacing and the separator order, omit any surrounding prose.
3 h 12 min
